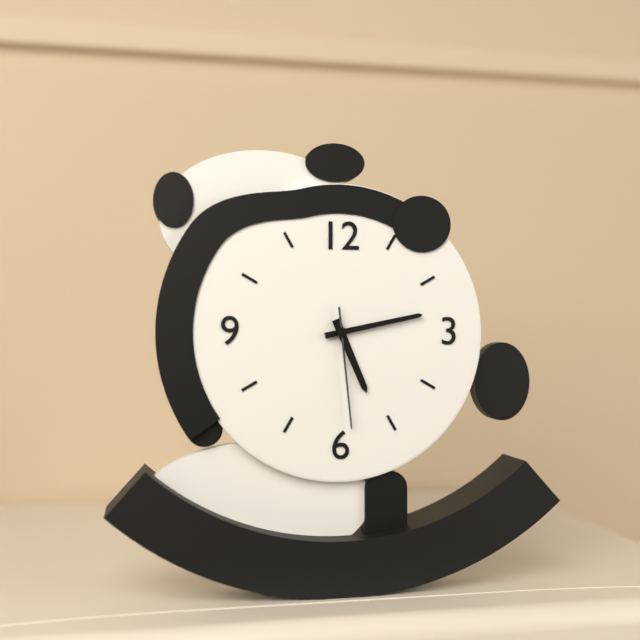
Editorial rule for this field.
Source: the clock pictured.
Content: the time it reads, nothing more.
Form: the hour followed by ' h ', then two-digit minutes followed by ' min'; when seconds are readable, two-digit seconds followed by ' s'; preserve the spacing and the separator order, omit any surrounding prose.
5 h 13 min 29 s
